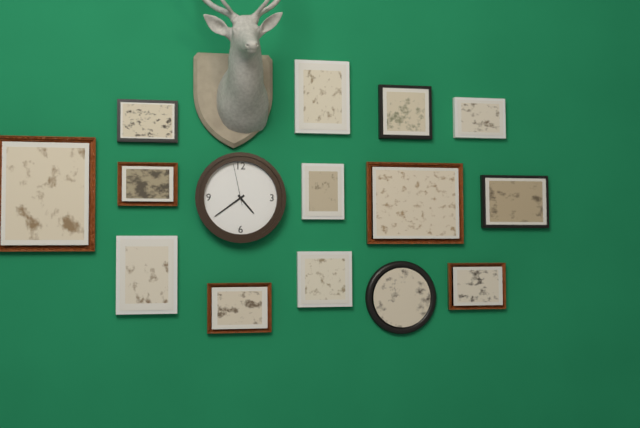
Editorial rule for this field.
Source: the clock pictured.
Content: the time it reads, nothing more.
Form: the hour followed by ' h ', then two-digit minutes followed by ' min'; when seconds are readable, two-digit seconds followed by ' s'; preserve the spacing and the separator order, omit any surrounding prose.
4 h 39 min
